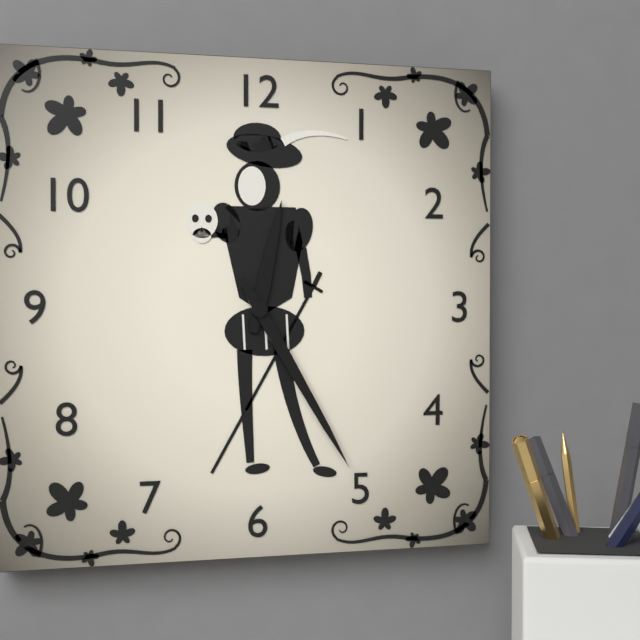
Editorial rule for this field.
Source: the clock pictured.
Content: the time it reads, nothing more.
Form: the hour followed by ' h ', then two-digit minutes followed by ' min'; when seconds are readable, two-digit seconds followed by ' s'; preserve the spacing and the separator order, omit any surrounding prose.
12 h 25 min
